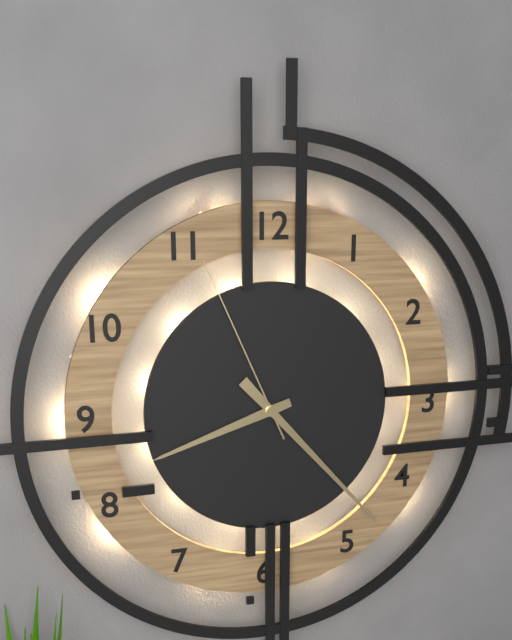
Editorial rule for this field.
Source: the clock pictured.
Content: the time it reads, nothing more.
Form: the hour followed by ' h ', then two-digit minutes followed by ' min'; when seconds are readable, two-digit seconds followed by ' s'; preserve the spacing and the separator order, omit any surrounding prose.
8 h 23 min 56 s
